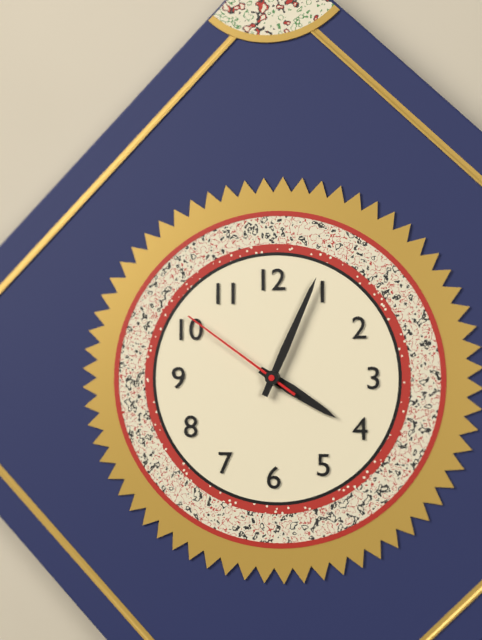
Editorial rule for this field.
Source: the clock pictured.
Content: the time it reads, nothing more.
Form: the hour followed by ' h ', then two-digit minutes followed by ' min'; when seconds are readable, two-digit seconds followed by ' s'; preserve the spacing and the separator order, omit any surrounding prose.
4 h 04 min 51 s
